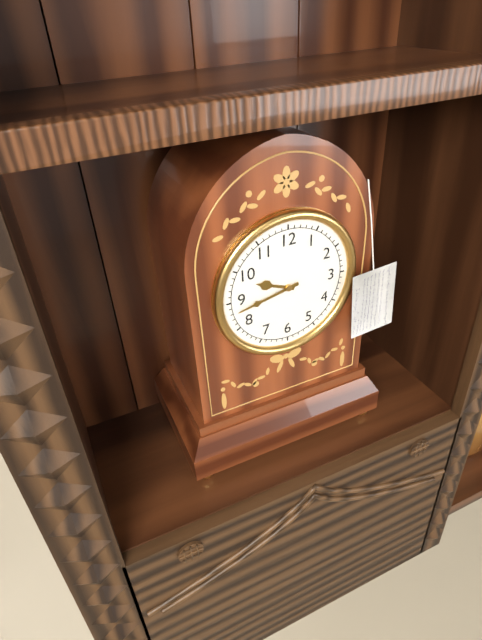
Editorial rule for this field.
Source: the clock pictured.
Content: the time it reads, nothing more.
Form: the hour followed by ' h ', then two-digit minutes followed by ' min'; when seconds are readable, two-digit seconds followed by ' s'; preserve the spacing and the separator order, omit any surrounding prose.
9 h 43 min
